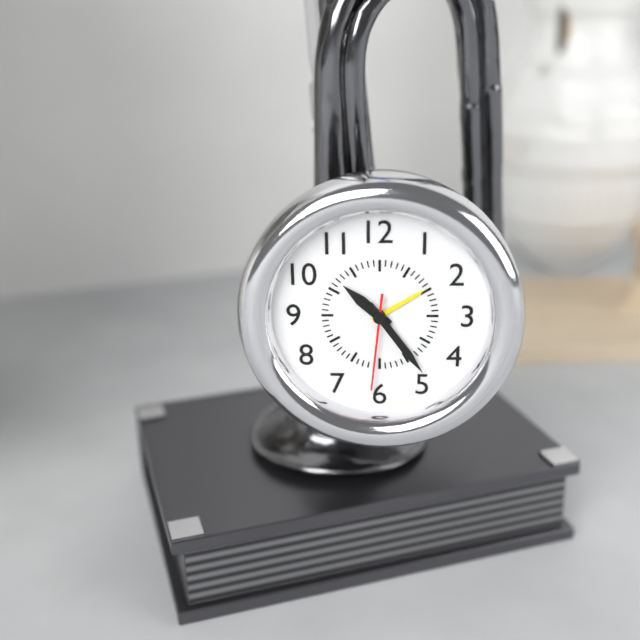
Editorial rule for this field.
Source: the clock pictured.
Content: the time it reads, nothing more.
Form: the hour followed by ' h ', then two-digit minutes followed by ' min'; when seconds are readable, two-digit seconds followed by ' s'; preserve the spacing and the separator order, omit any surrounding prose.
10 h 24 min 31 s
